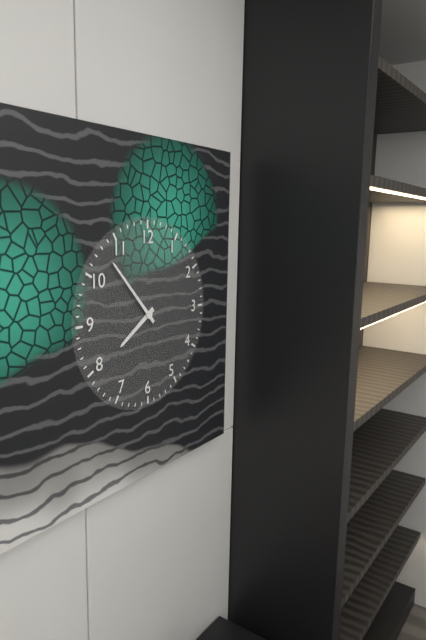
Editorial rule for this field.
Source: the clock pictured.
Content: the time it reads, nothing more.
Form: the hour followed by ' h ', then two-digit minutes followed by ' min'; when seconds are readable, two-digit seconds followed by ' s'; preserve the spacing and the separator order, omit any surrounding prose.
7 h 53 min
